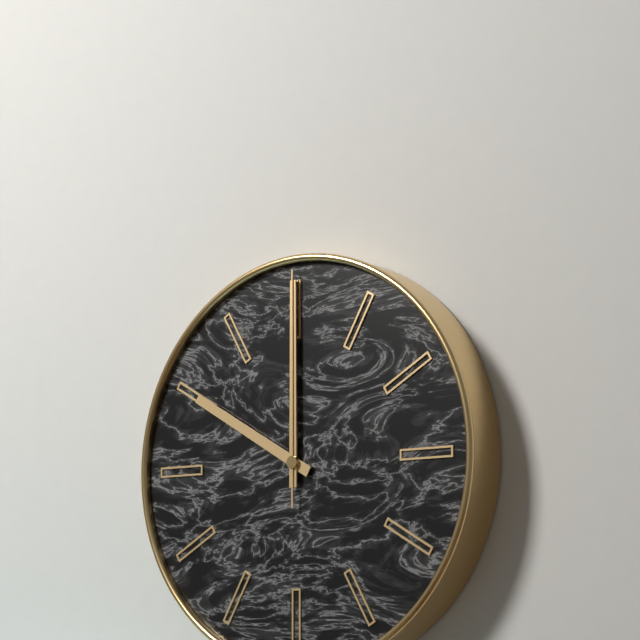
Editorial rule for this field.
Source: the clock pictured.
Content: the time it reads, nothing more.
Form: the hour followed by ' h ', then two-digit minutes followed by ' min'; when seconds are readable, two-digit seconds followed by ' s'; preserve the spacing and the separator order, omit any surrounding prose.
10 h 00 min 00 s
